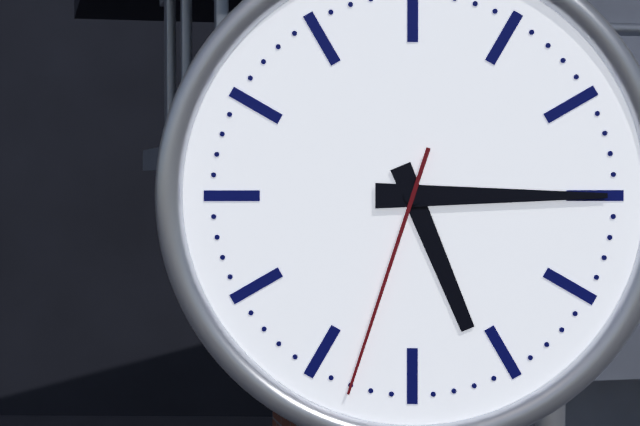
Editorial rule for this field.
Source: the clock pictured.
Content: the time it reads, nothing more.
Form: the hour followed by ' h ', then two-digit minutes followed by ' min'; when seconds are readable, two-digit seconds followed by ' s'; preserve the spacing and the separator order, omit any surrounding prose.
5 h 15 min 33 s
